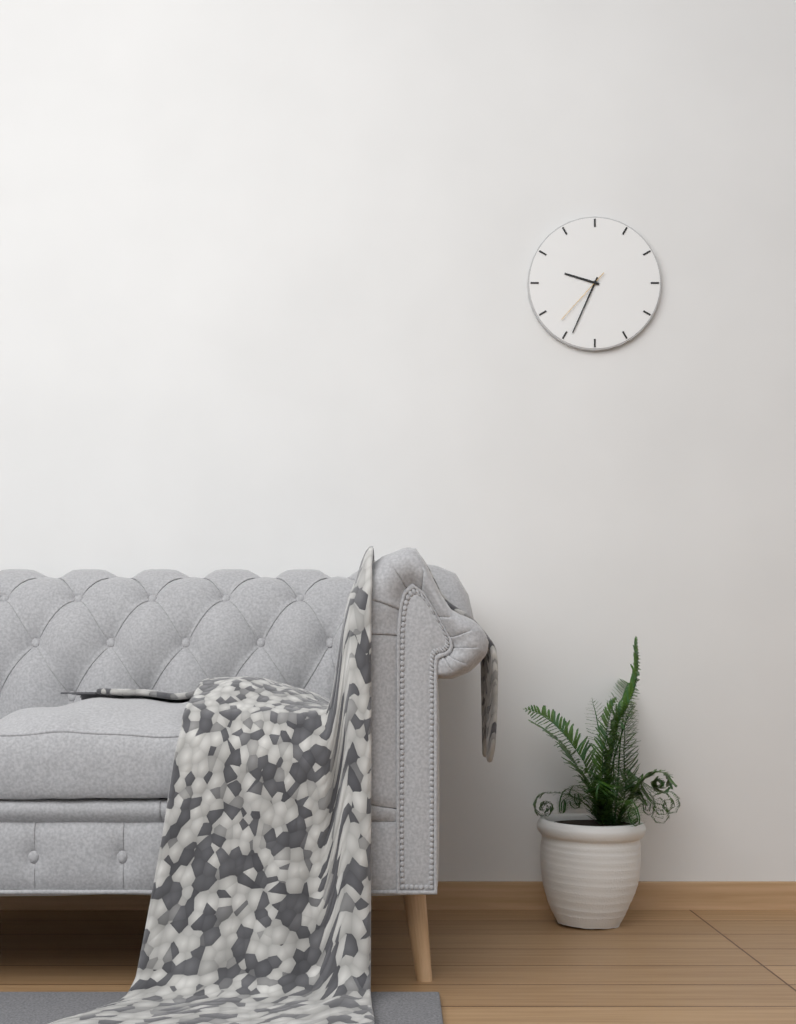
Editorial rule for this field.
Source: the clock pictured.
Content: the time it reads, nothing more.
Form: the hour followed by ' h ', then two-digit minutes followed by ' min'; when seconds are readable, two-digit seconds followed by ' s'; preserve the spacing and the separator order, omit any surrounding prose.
9 h 34 min 37 s
